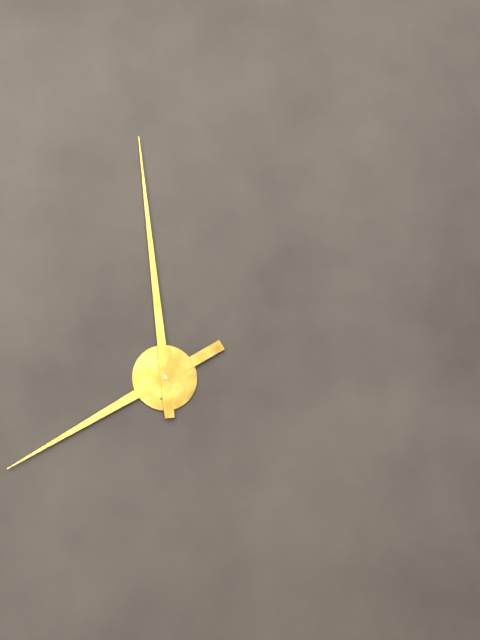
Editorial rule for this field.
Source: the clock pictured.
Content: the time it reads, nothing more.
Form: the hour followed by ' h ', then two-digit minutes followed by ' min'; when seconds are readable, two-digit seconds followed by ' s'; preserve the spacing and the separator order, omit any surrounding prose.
7 h 59 min
